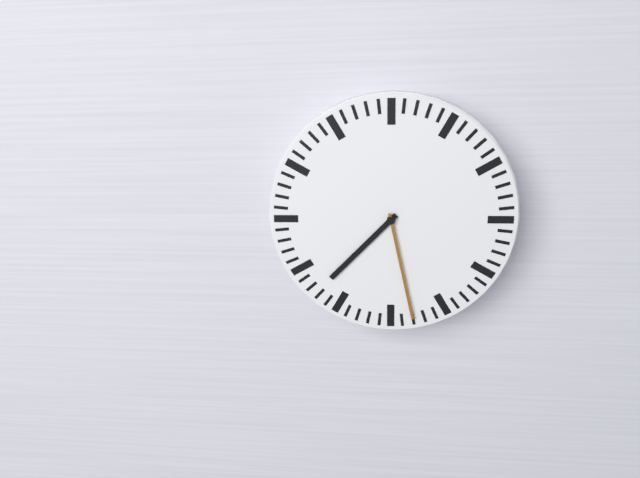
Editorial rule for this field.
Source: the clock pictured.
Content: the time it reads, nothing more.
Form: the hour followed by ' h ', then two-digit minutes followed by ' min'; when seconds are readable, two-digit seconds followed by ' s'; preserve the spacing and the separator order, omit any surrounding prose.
7 h 28 min
